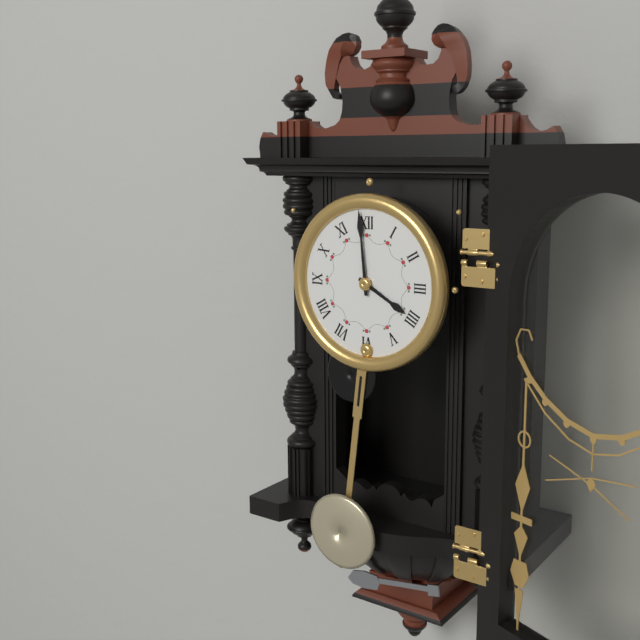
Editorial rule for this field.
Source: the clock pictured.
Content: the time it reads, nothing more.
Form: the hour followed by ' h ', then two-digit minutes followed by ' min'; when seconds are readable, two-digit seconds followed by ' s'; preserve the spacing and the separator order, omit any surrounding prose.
3 h 59 min
